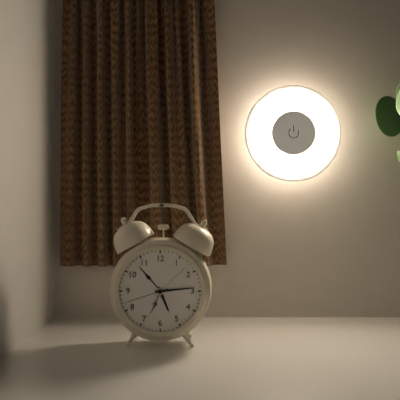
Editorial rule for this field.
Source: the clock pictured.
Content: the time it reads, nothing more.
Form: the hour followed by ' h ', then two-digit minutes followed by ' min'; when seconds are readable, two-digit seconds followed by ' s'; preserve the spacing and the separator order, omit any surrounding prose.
5 h 14 min
